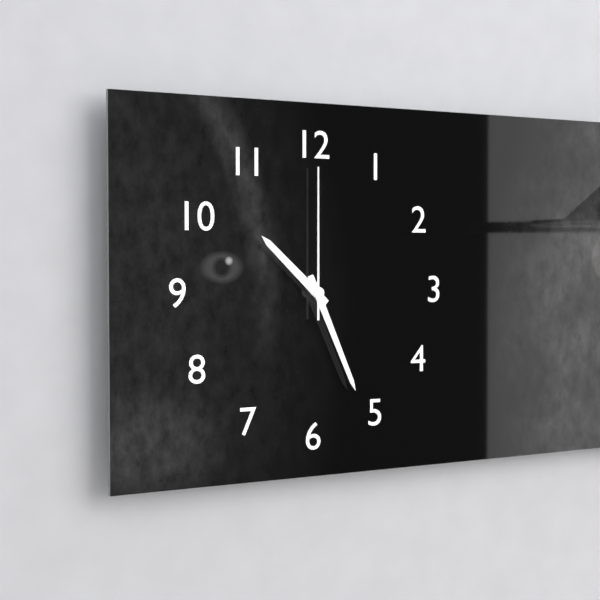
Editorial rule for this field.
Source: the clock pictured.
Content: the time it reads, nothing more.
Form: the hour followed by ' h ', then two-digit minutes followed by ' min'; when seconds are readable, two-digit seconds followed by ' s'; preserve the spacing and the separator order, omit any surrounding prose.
10 h 26 min 00 s
